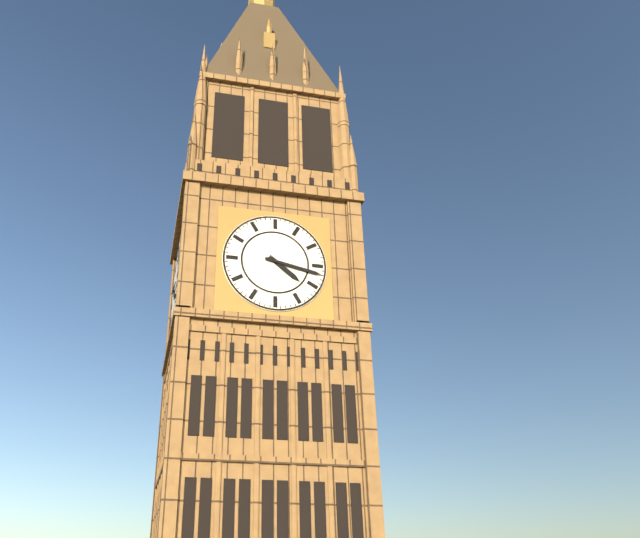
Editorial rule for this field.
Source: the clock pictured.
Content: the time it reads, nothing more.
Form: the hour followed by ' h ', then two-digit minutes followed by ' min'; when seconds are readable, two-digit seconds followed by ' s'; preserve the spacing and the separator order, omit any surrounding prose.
4 h 17 min
